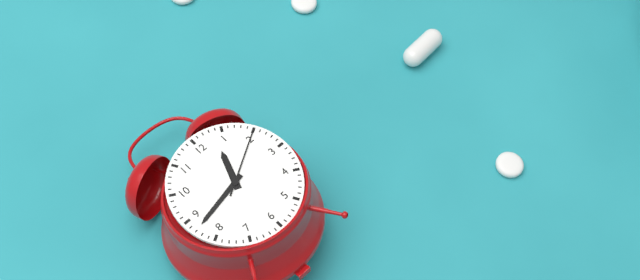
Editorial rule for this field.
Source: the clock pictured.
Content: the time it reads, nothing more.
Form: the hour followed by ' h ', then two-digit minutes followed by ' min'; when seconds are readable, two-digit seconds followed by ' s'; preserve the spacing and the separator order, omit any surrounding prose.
12 h 43 min 10 s
